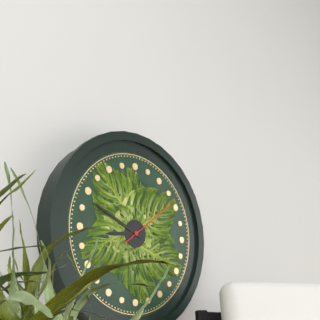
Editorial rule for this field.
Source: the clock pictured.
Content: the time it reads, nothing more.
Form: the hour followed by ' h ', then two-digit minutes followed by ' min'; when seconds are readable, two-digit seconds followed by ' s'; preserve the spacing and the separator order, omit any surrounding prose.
8 h 49 min 09 s
